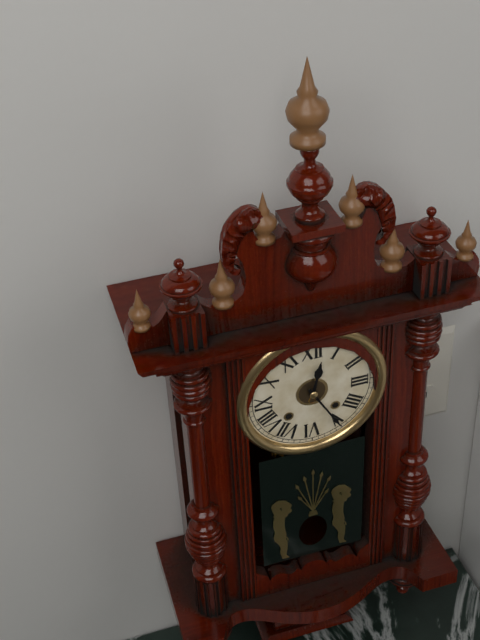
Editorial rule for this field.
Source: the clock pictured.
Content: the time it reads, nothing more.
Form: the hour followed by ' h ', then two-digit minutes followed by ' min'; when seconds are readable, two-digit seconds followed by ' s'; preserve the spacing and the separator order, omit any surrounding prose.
12 h 25 min
